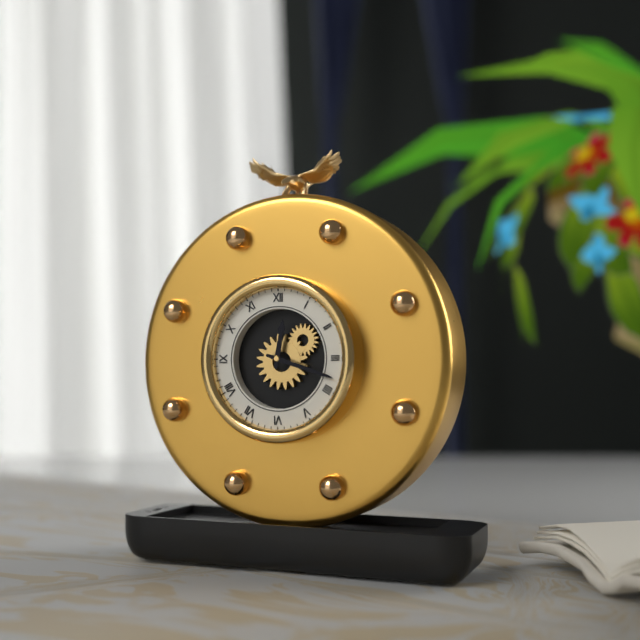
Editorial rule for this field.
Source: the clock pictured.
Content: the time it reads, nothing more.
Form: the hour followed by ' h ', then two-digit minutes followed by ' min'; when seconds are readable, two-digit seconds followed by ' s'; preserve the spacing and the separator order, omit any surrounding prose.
12 h 18 min
